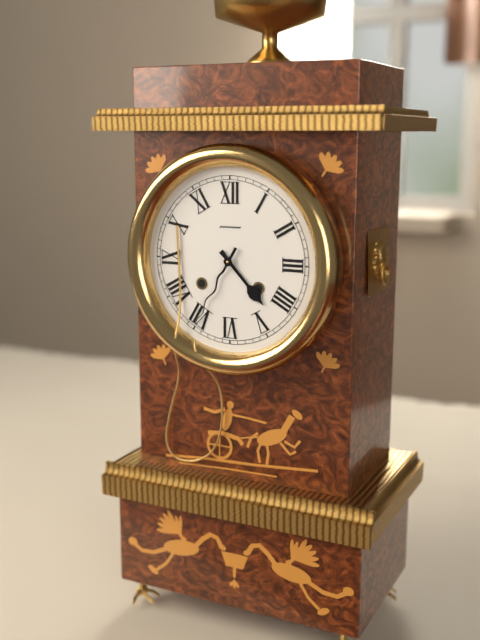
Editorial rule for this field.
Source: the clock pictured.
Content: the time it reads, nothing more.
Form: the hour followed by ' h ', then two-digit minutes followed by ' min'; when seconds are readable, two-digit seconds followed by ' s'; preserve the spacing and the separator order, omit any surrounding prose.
4 h 35 min
